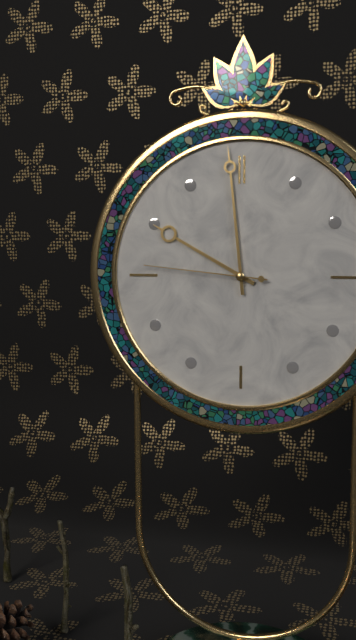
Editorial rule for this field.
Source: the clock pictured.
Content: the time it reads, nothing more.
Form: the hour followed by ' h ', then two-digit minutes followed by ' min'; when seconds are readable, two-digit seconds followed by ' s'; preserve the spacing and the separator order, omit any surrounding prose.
9 h 59 min 46 s
